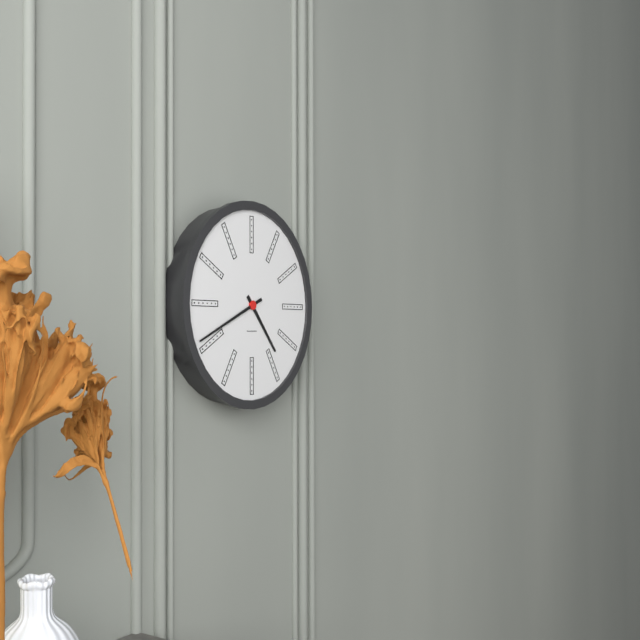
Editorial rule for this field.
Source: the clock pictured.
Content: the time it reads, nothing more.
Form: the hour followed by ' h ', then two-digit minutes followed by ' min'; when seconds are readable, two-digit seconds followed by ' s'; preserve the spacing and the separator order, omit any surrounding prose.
4 h 41 min
